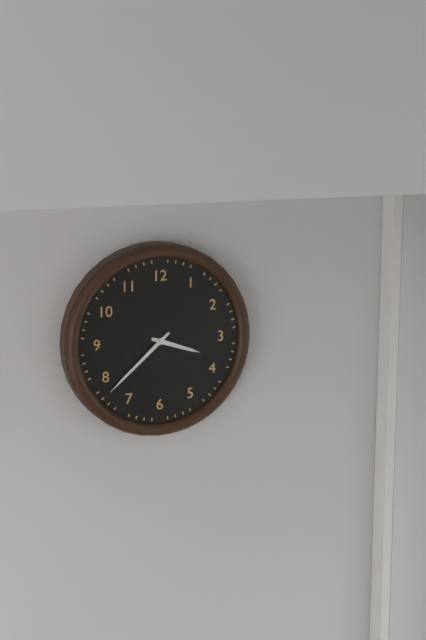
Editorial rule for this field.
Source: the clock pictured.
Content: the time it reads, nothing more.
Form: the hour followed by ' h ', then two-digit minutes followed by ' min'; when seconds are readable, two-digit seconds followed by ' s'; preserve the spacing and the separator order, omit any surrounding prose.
3 h 38 min
